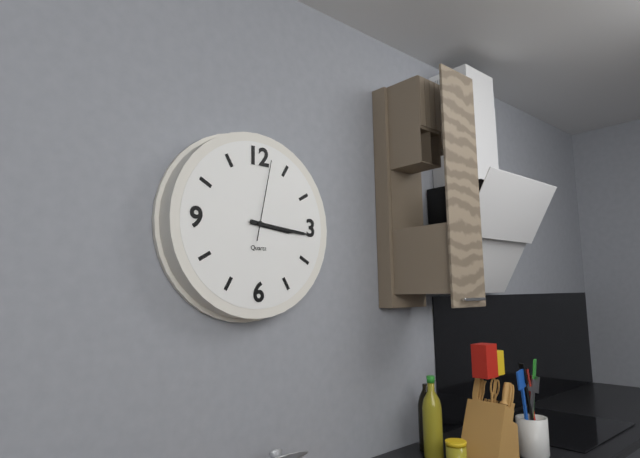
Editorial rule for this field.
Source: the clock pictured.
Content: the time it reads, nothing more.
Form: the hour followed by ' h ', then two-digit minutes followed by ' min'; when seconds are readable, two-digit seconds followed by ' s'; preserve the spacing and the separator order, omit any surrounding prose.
3 h 16 min 02 s
